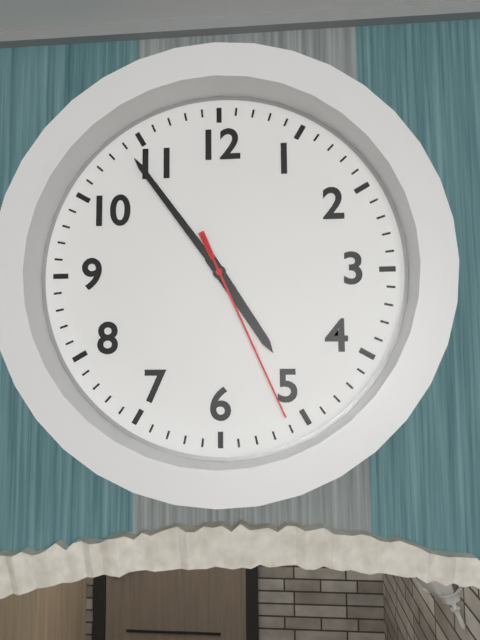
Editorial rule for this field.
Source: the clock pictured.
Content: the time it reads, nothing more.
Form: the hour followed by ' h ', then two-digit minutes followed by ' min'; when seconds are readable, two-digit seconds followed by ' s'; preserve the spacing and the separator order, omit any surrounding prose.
4 h 54 min 26 s
